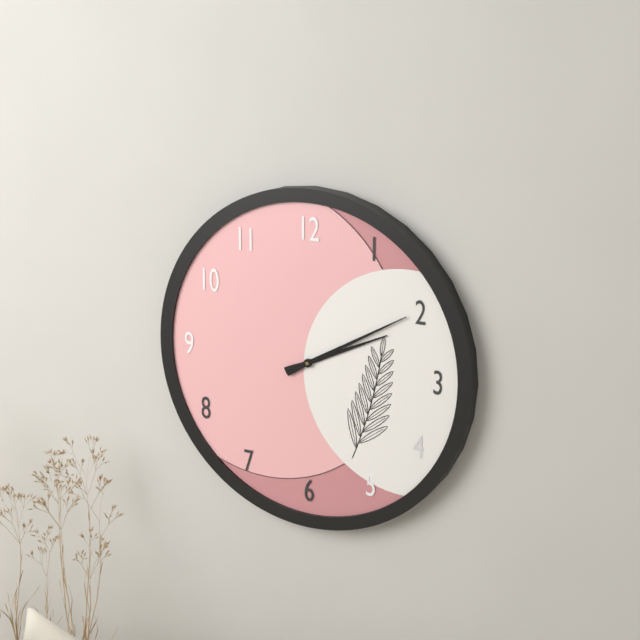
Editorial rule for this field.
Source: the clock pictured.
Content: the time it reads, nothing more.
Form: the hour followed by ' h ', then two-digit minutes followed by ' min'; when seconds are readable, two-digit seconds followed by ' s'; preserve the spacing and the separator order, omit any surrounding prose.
2 h 10 min
